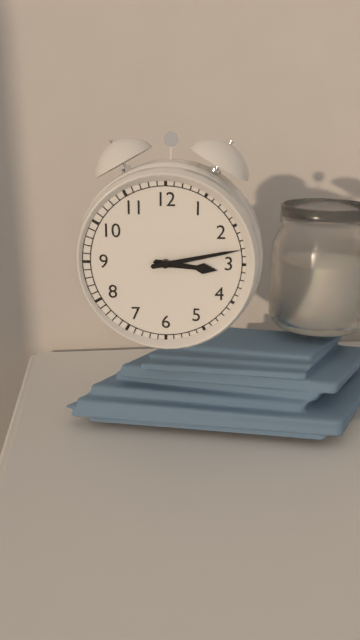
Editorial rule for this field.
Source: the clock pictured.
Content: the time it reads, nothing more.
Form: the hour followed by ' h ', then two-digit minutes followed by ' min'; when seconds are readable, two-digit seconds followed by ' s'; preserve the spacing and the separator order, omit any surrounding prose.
3 h 13 min
